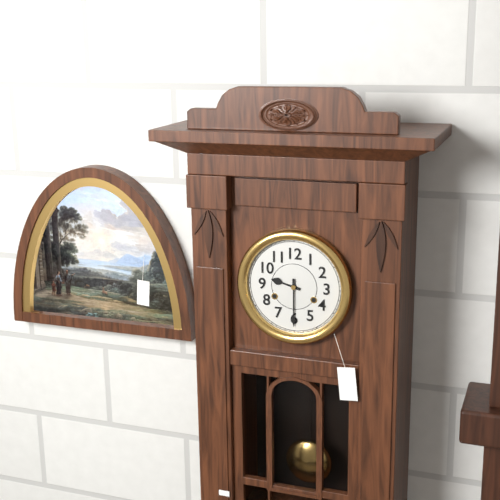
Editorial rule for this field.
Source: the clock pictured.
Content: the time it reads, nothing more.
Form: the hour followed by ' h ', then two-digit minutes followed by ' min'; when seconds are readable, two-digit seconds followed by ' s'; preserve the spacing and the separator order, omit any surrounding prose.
9 h 30 min
